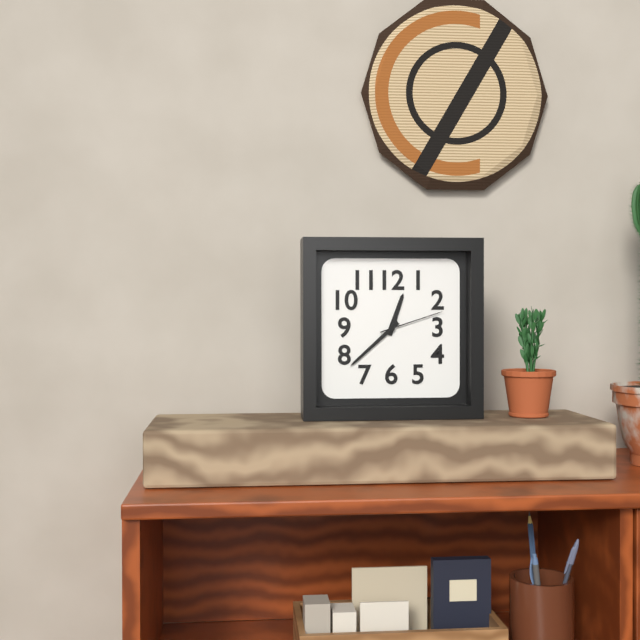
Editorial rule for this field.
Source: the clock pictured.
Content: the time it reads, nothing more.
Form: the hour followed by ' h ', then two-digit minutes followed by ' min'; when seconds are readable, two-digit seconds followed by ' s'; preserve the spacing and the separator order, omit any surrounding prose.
12 h 38 min 12 s
